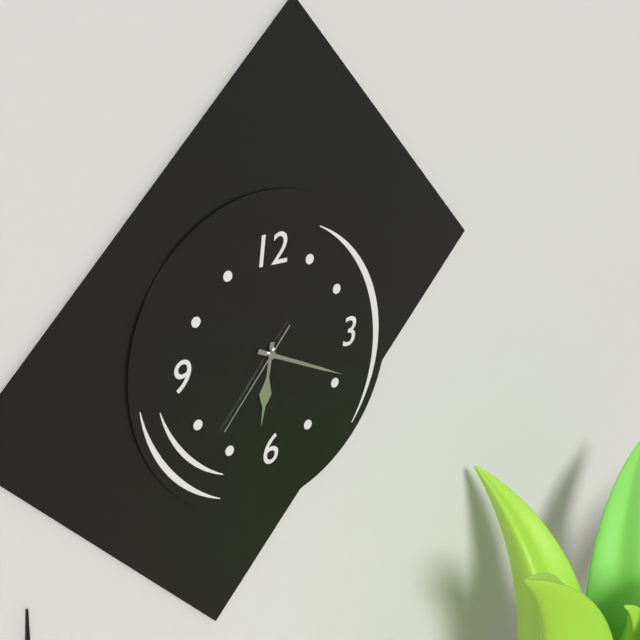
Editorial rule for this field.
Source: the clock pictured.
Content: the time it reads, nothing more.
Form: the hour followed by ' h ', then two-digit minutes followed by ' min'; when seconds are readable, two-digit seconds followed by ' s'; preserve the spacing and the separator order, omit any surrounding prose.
6 h 19 min 37 s
